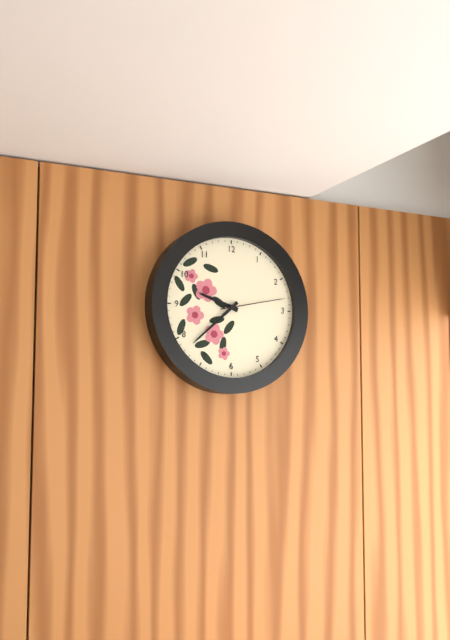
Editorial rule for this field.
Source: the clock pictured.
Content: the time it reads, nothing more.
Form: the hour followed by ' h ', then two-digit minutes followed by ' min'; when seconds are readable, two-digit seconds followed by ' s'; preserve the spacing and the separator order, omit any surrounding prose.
9 h 38 min 13 s
